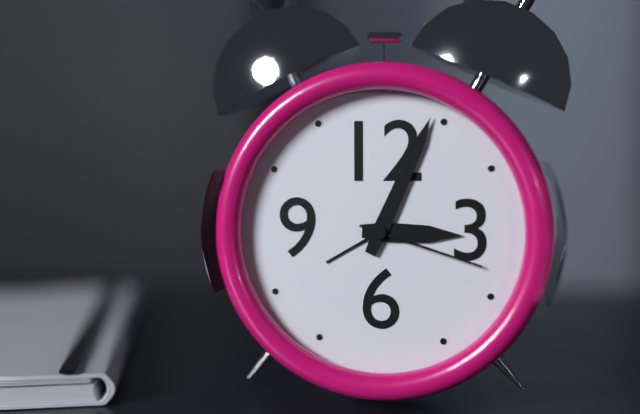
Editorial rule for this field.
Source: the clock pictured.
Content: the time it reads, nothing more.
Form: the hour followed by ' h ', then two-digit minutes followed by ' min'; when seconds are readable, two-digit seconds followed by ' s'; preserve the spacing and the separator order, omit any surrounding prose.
3 h 04 min 18 s
